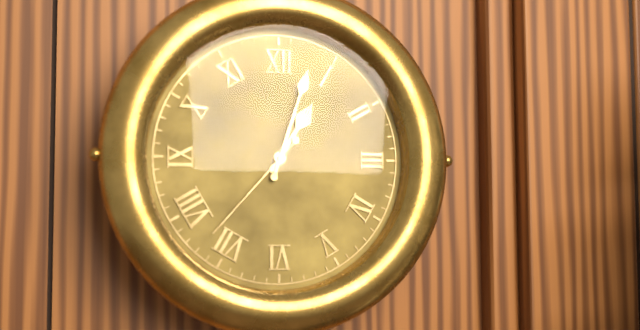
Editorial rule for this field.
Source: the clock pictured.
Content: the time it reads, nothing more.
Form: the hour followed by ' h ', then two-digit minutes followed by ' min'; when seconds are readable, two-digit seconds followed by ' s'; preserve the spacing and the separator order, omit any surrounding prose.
1 h 03 min 37 s
